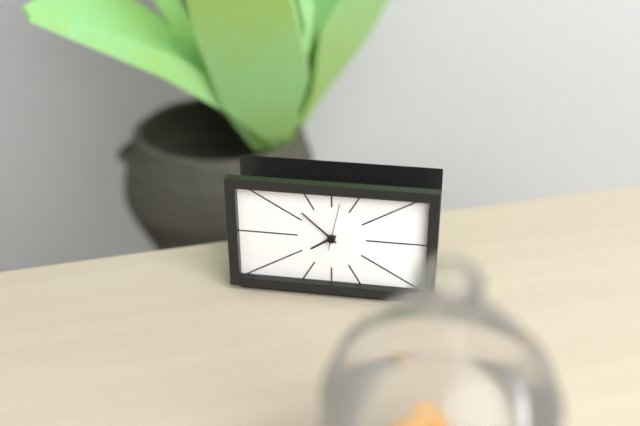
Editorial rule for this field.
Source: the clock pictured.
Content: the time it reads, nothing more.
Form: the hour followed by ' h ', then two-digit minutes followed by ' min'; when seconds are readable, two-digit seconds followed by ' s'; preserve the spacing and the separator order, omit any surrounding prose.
7 h 52 min
